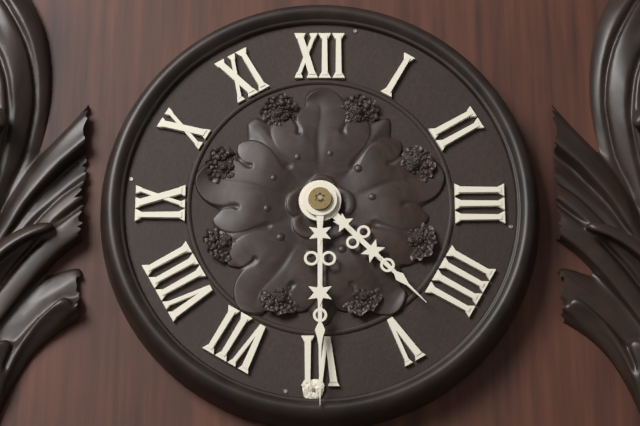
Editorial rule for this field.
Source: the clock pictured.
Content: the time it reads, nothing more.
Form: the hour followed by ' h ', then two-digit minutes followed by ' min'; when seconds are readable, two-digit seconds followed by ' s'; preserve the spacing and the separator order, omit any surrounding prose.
4 h 30 min
